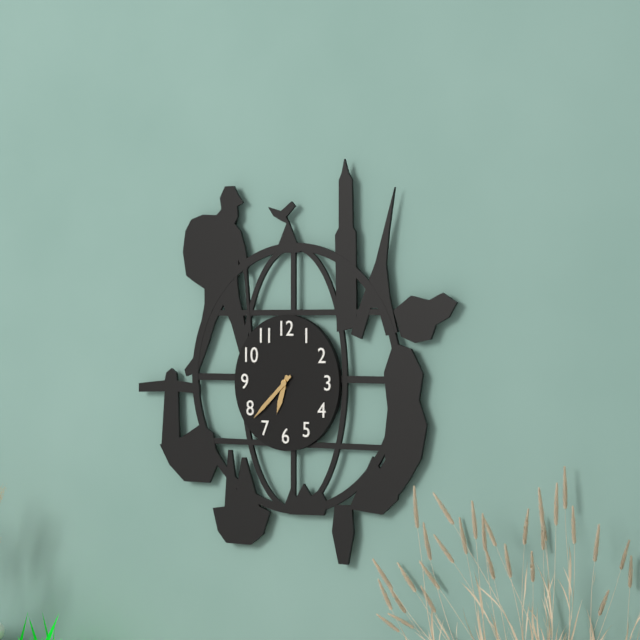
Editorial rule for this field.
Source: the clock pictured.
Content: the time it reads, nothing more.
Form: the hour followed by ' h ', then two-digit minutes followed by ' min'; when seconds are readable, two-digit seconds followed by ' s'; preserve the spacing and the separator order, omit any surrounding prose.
6 h 38 min
